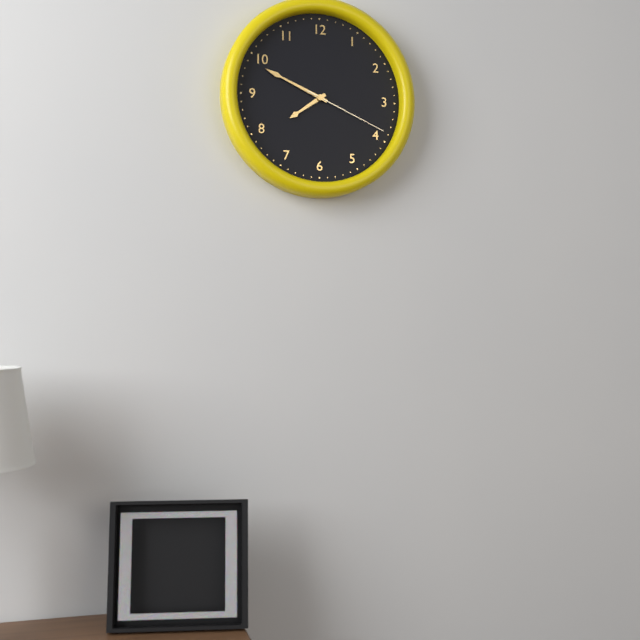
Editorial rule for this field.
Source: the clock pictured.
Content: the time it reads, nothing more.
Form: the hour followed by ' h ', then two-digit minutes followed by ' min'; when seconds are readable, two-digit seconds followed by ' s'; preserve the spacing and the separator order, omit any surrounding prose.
7 h 49 min 19 s
